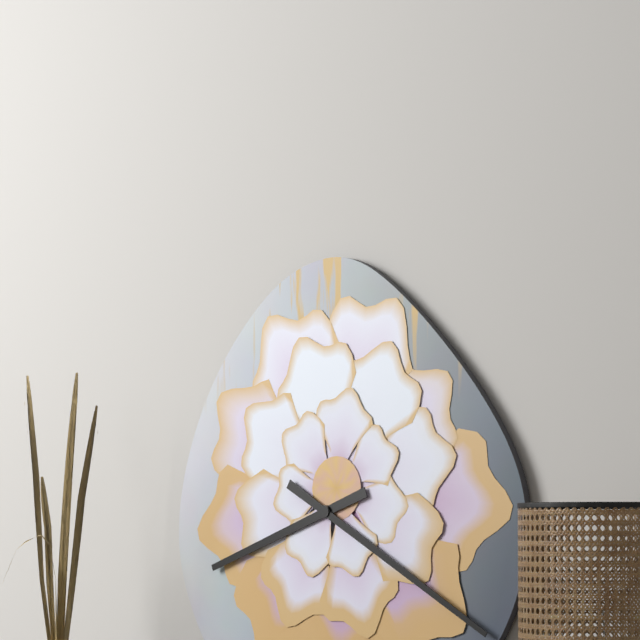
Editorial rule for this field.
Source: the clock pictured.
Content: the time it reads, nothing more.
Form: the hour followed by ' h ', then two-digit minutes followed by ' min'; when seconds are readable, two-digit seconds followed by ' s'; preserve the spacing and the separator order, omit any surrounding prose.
8 h 20 min
